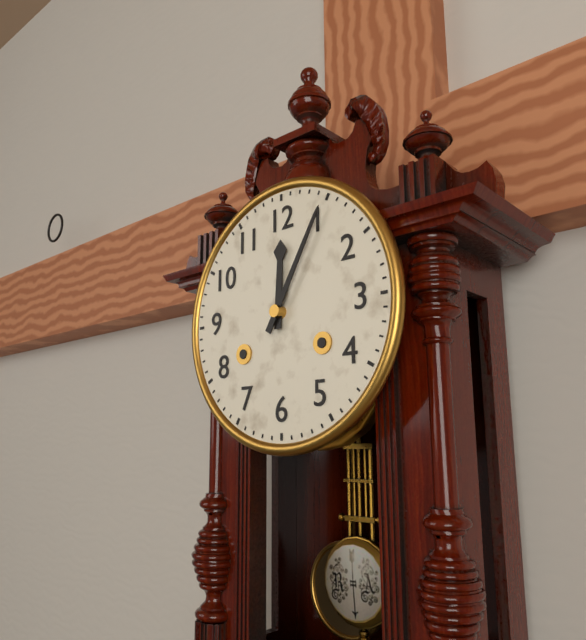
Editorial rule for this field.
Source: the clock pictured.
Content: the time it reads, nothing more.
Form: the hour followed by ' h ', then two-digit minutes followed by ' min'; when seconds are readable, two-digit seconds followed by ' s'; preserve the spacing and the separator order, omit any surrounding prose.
12 h 05 min
